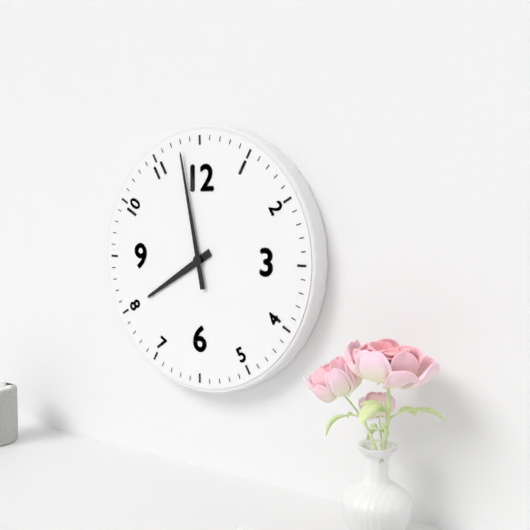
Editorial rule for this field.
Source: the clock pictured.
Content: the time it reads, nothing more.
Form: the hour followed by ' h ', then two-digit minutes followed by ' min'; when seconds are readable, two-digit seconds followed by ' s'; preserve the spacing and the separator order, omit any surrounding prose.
7 h 58 min
